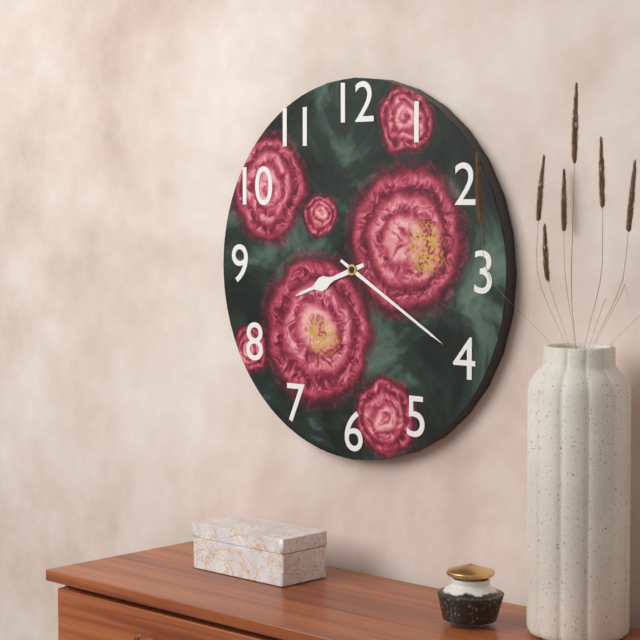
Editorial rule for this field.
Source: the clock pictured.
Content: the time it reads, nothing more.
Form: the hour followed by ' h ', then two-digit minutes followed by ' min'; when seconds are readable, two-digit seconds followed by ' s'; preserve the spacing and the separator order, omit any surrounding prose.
8 h 20 min
